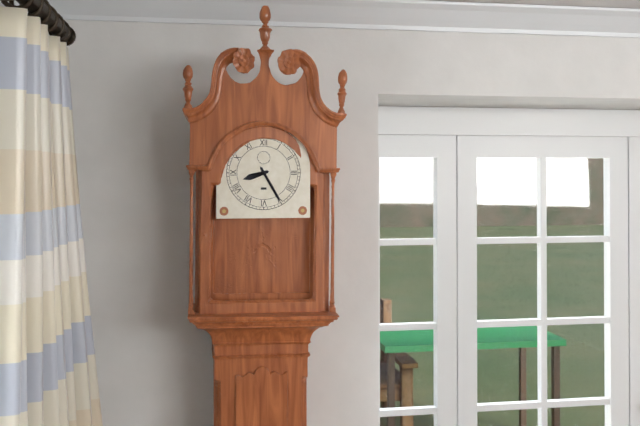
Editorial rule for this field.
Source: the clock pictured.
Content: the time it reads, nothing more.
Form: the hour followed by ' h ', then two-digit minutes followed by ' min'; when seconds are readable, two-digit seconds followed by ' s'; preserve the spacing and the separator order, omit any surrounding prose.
8 h 25 min
